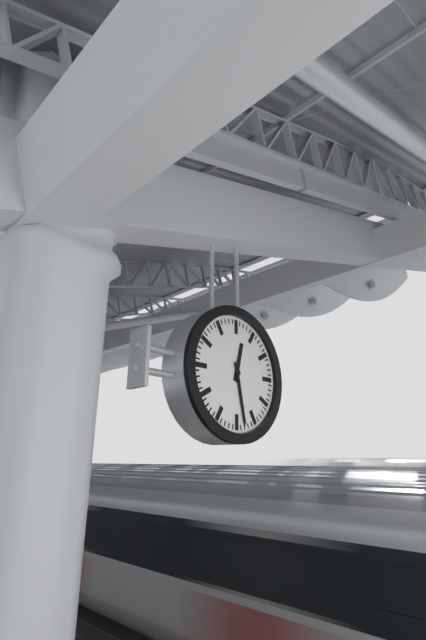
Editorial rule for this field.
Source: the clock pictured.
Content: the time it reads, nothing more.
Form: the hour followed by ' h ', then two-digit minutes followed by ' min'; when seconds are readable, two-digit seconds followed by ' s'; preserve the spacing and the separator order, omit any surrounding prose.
12 h 28 min
